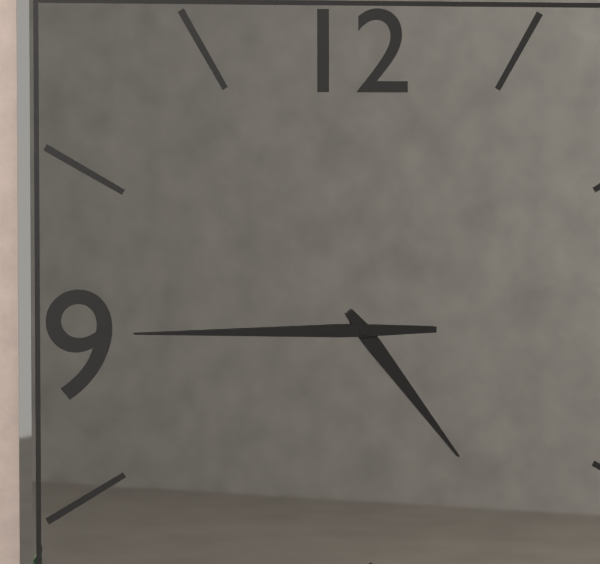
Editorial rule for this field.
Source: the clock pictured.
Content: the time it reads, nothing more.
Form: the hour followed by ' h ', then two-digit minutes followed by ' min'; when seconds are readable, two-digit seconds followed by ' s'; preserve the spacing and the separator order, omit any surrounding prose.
4 h 45 min
